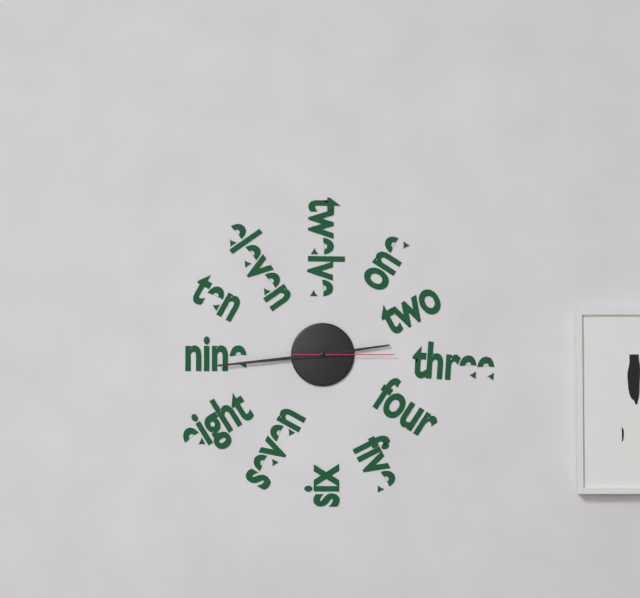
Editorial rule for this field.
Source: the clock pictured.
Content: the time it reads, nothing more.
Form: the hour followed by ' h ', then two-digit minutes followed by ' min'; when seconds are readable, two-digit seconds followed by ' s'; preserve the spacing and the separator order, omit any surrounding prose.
2 h 44 min 15 s
